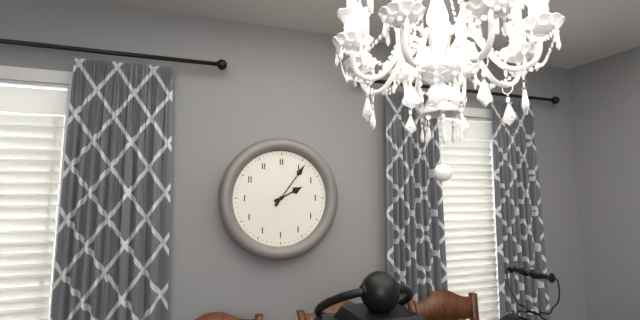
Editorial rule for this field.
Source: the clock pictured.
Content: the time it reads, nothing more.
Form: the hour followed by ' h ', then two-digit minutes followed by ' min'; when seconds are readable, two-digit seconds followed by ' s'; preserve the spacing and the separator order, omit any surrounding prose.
2 h 06 min
